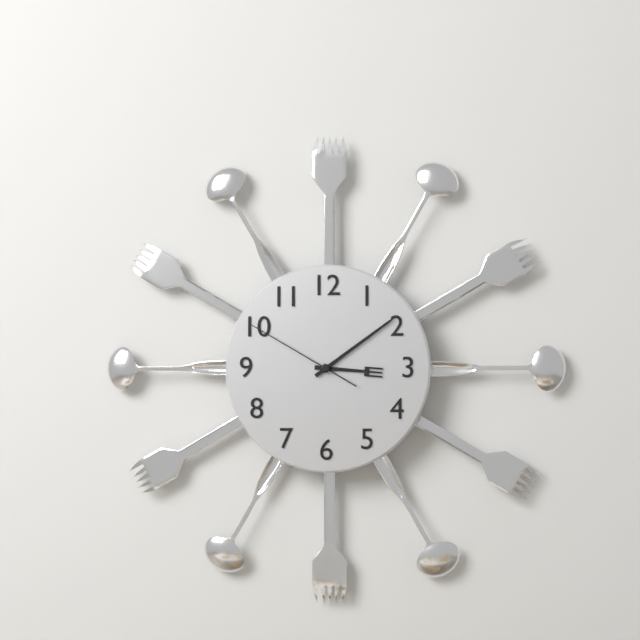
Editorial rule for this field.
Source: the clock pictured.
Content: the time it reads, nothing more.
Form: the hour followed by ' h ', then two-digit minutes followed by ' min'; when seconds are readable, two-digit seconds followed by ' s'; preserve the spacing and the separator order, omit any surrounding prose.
3 h 09 min 50 s
